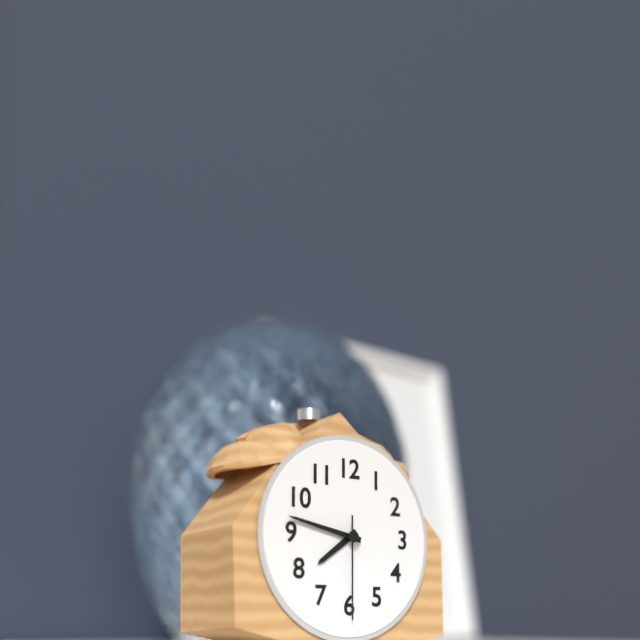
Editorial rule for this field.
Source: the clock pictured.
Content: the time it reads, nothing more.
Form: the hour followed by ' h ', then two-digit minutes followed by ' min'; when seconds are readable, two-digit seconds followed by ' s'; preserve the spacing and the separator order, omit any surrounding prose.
7 h 47 min 30 s
